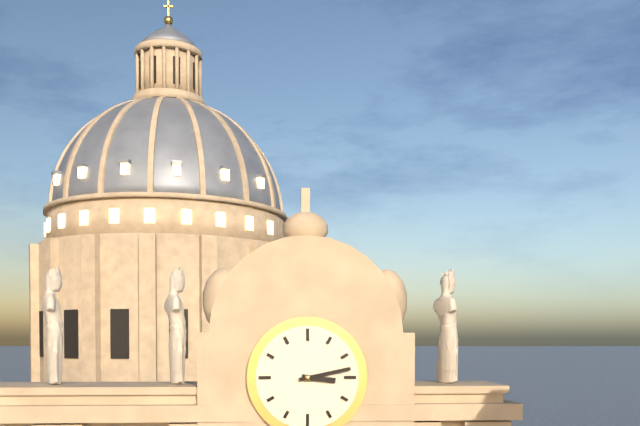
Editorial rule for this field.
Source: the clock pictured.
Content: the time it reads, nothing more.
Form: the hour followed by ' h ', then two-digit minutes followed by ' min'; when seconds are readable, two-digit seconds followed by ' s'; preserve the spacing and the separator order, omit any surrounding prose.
3 h 13 min
